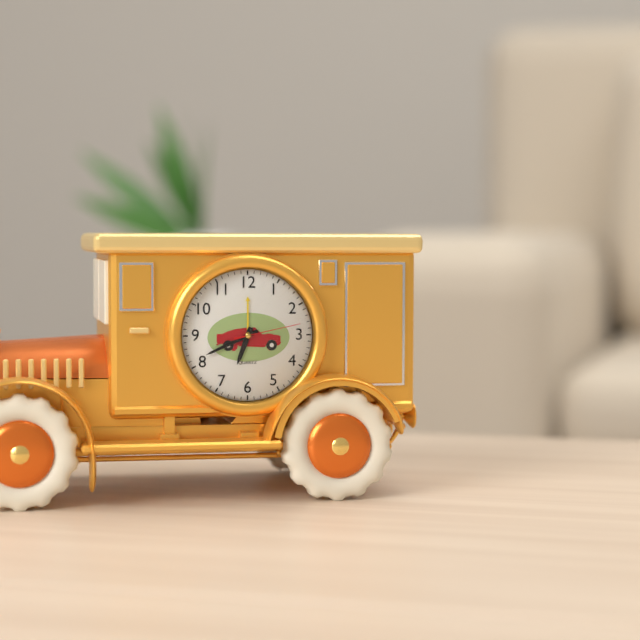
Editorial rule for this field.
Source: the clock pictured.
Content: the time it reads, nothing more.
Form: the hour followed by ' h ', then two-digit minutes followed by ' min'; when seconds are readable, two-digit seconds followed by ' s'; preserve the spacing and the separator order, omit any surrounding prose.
6 h 41 min 13 s
